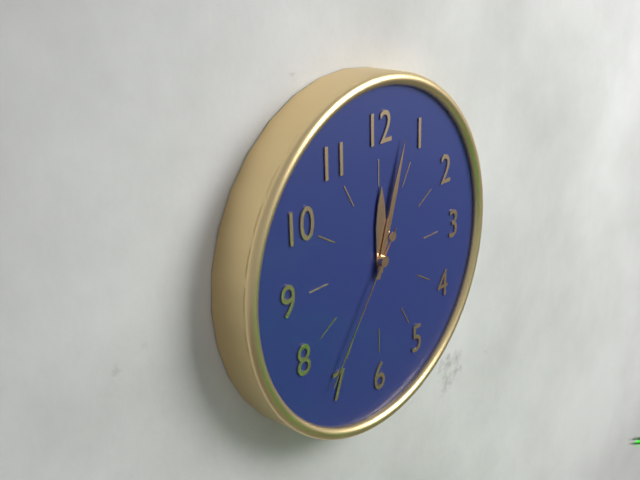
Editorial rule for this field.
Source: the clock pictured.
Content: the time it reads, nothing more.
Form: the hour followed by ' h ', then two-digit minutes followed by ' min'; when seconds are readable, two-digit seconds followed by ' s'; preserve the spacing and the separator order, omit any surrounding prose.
12 h 03 min 36 s
